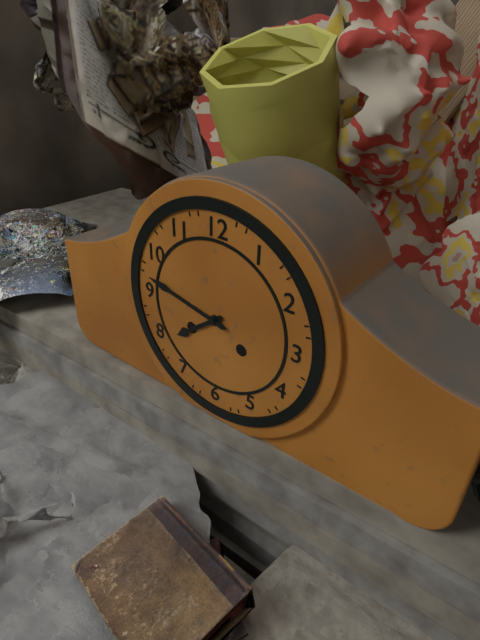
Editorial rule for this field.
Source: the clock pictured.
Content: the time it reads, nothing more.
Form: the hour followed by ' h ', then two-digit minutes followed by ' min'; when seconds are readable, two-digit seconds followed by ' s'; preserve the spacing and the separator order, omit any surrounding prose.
7 h 47 min
